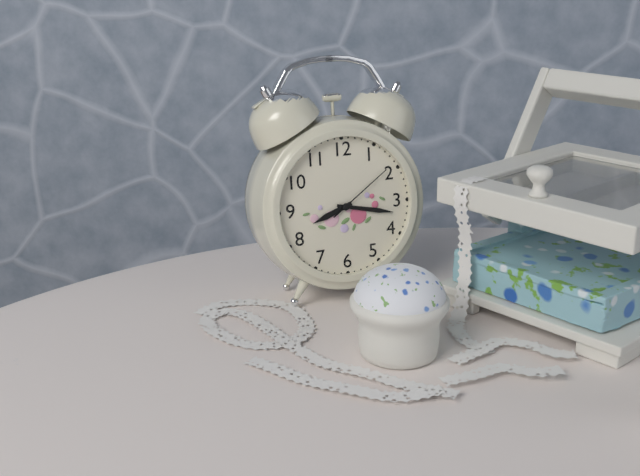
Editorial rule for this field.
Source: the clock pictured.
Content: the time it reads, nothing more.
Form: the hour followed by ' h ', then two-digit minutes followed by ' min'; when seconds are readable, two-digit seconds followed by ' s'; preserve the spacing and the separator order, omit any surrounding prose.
8 h 17 min 09 s
